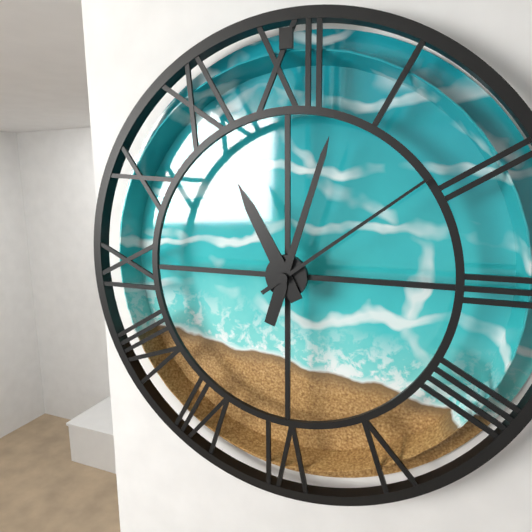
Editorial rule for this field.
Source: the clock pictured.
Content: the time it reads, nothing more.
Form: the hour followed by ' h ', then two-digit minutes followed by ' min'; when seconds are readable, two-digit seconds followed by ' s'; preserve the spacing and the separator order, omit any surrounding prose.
11 h 03 min 09 s
